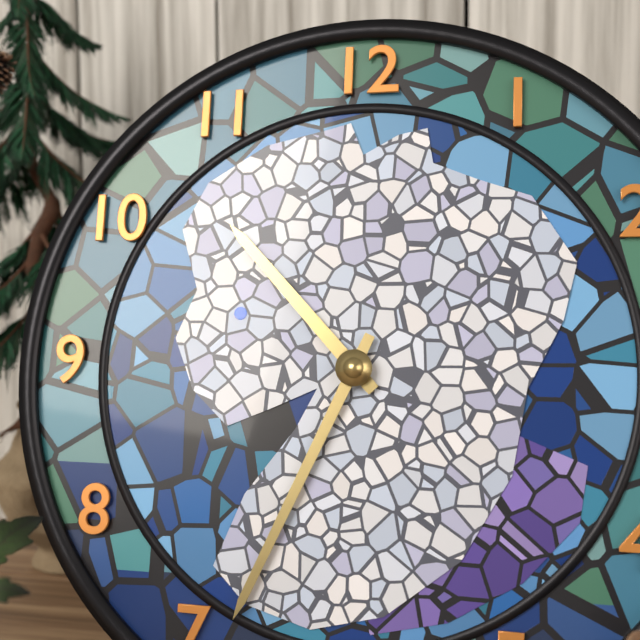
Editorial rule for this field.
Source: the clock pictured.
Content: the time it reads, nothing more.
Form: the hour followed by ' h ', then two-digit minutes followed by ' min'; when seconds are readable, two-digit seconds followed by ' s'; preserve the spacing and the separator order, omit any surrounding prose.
10 h 34 min
